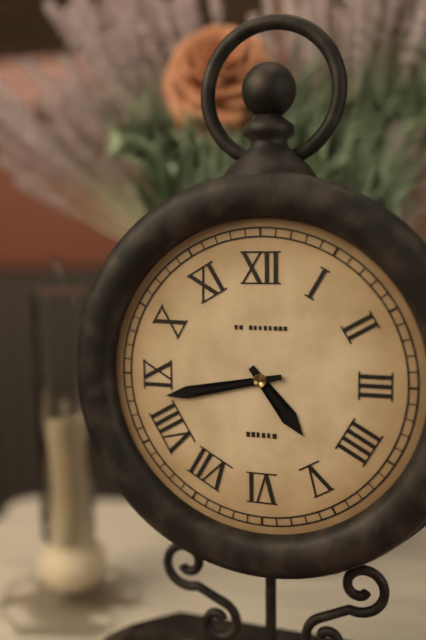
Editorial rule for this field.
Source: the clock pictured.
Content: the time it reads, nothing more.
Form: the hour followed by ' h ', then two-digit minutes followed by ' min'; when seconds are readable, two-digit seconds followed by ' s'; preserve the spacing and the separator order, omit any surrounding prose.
4 h 43 min
